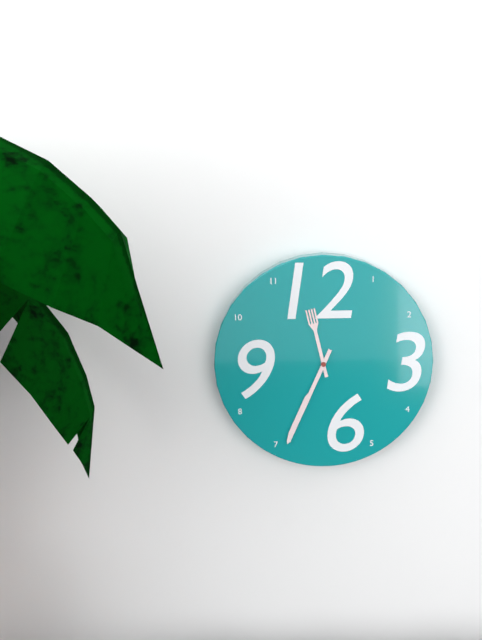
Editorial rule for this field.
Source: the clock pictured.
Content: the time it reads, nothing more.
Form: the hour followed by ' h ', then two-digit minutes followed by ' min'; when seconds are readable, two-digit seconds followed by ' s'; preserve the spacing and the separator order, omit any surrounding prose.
11 h 34 min
